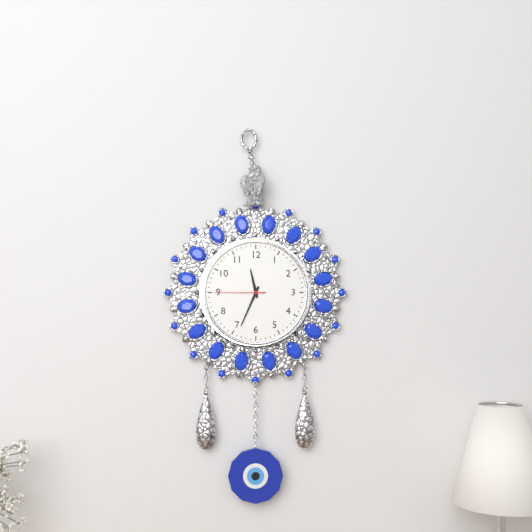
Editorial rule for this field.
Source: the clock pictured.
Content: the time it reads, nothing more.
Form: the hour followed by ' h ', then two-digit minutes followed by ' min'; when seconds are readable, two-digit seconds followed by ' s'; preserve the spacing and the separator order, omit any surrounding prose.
11 h 34 min 45 s
